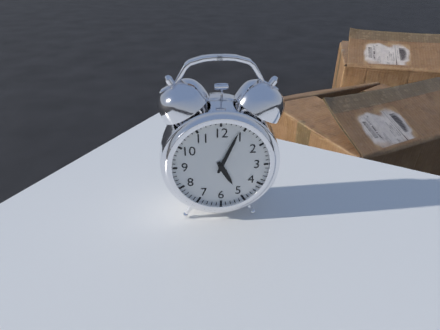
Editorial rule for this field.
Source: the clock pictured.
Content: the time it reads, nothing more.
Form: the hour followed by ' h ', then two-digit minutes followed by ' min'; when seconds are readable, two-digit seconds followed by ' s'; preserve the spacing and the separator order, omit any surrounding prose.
5 h 04 min
